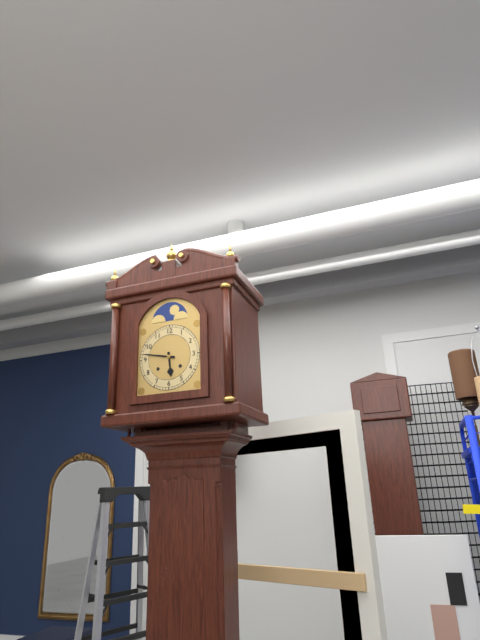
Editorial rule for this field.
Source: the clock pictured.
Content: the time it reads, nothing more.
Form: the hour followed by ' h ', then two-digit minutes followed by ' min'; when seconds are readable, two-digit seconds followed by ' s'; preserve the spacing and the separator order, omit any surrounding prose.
5 h 47 min
